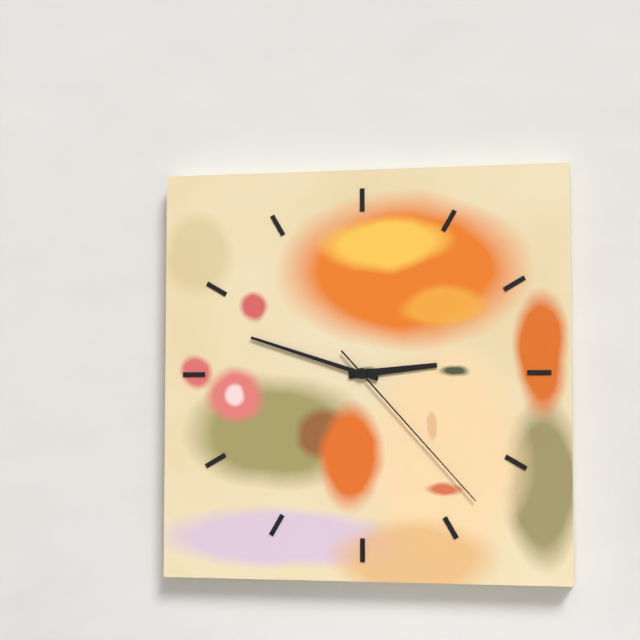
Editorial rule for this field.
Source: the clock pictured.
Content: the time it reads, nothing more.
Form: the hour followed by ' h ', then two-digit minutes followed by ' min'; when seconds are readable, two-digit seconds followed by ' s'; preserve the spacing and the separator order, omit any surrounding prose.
2 h 48 min 23 s
